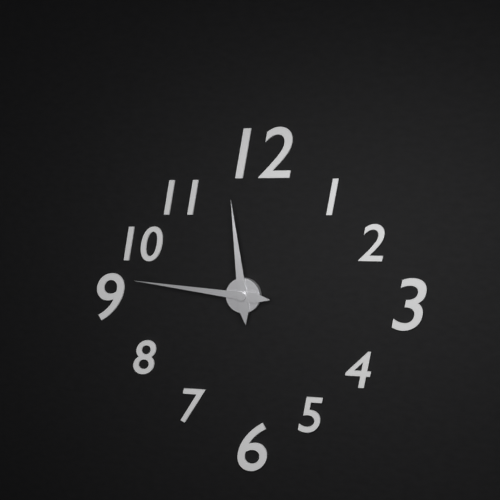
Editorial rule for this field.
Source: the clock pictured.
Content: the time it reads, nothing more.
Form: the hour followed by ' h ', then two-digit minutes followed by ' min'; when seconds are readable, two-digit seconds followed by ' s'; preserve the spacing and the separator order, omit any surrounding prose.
11 h 46 min
